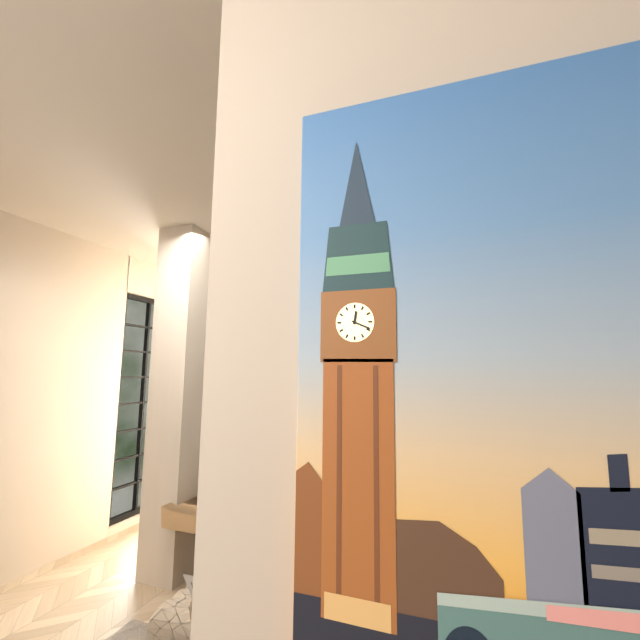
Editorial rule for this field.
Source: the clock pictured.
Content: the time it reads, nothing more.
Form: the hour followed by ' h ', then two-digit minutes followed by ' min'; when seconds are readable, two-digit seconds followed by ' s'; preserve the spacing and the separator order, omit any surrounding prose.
12 h 19 min
